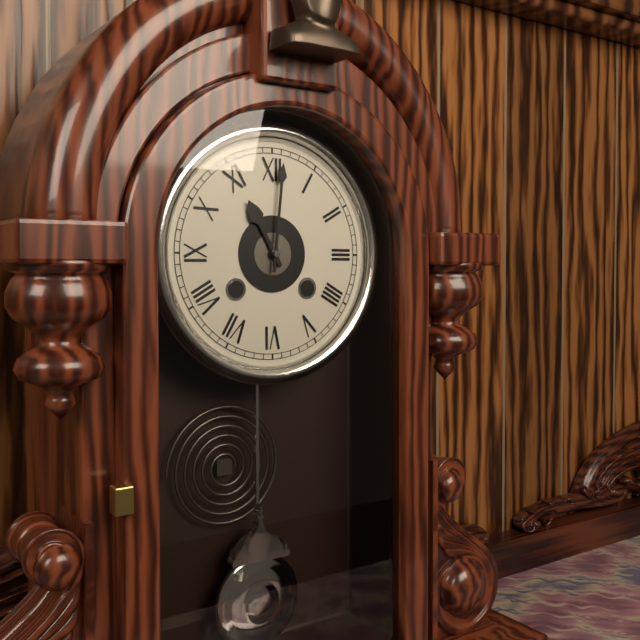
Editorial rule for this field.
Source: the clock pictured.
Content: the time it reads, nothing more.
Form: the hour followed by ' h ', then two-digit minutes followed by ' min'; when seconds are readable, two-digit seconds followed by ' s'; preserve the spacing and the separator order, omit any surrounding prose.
11 h 01 min
